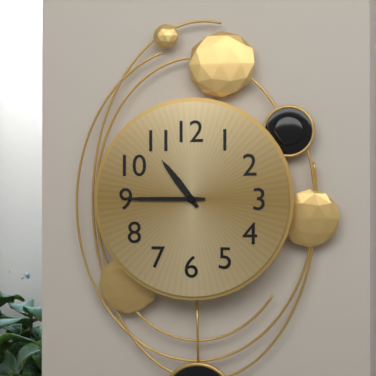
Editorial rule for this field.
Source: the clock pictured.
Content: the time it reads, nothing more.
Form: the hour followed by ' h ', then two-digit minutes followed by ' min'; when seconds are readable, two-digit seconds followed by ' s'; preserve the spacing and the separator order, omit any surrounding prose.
10 h 45 min
